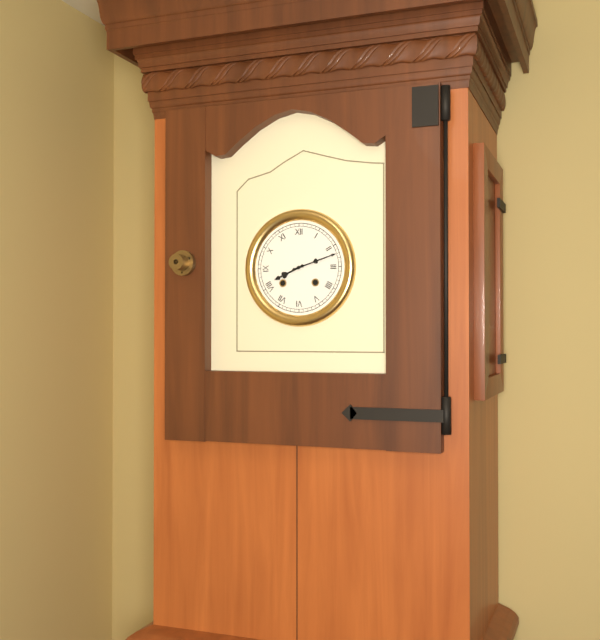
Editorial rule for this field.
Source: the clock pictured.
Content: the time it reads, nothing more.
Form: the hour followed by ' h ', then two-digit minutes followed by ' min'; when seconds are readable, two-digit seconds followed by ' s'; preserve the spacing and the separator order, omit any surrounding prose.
8 h 12 min
